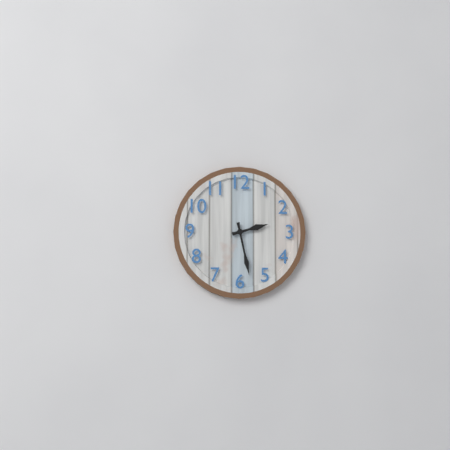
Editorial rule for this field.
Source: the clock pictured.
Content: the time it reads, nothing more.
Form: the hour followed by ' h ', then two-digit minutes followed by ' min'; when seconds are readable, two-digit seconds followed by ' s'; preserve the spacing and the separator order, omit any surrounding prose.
2 h 28 min
